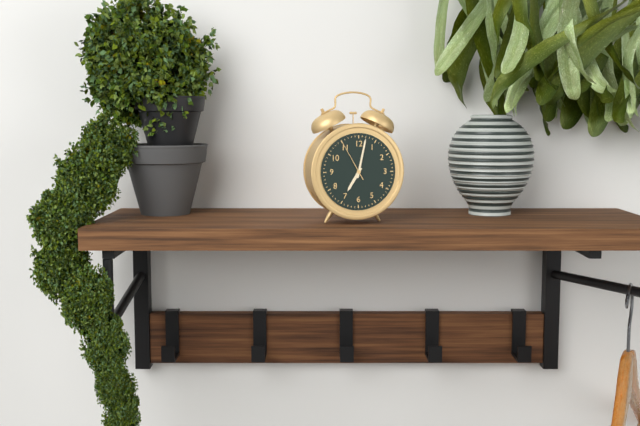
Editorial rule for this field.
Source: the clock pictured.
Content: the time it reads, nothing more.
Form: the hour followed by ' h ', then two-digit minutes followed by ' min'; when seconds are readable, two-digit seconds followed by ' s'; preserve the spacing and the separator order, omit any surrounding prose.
7 h 02 min
